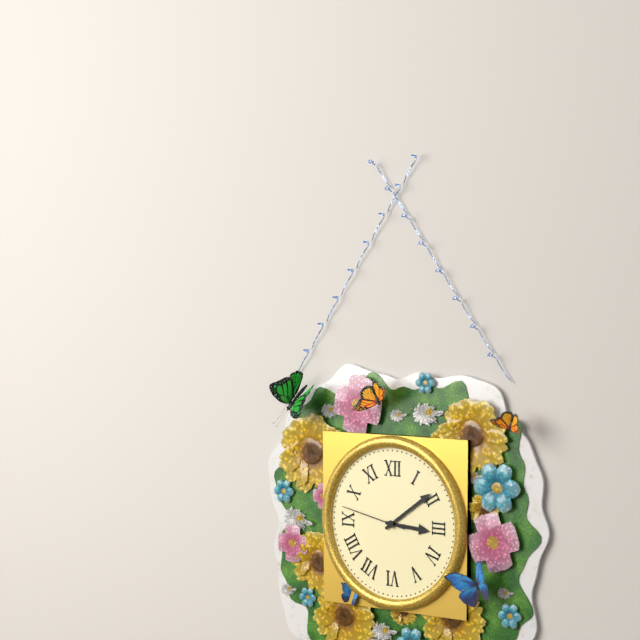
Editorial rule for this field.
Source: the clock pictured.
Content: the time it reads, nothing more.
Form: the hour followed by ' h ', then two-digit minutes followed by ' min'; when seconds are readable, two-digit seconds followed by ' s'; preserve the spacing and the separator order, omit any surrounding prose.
3 h 09 min 47 s
